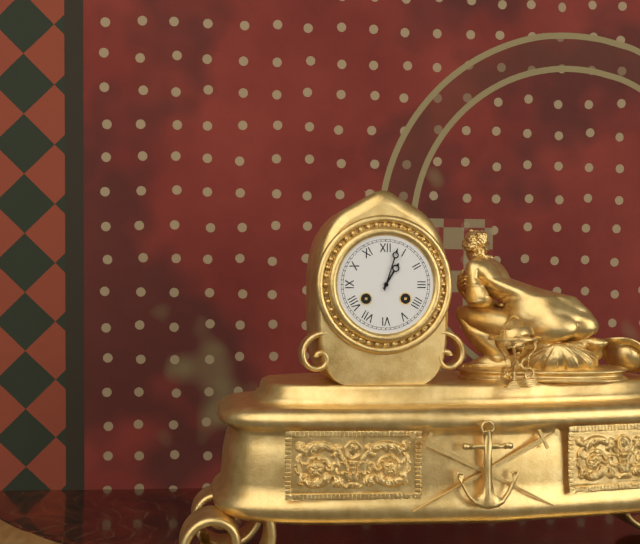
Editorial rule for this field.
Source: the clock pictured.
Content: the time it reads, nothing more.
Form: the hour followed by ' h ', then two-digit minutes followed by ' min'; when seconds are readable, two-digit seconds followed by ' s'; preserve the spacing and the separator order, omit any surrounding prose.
1 h 03 min
